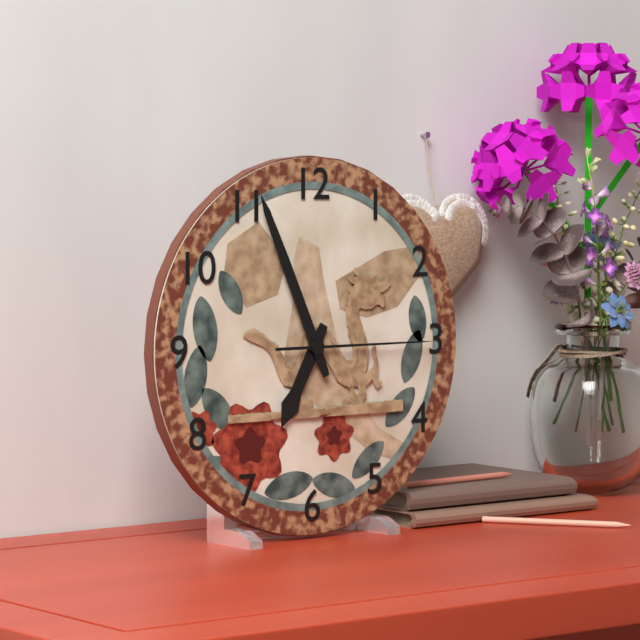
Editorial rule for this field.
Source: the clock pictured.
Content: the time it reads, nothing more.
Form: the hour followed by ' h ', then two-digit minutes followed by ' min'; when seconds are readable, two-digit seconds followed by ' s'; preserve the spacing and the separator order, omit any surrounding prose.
6 h 56 min 15 s
